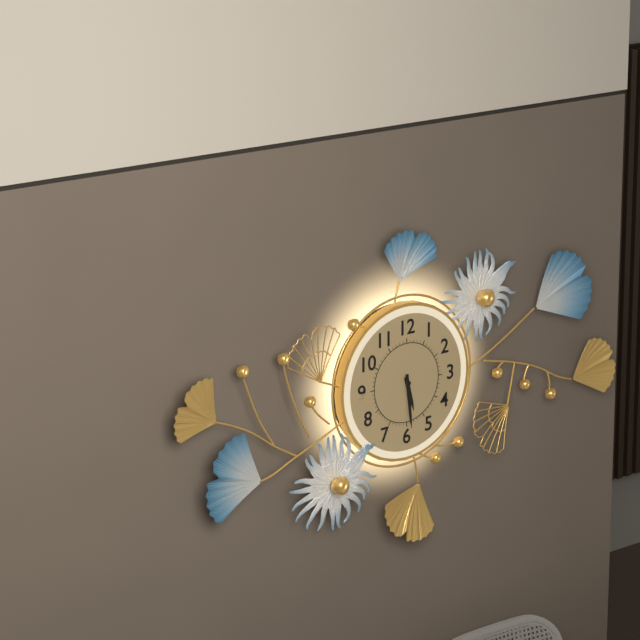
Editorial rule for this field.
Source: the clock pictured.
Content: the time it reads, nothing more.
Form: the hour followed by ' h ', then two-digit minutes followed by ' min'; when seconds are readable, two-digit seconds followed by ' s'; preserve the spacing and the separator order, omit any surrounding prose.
5 h 29 min
